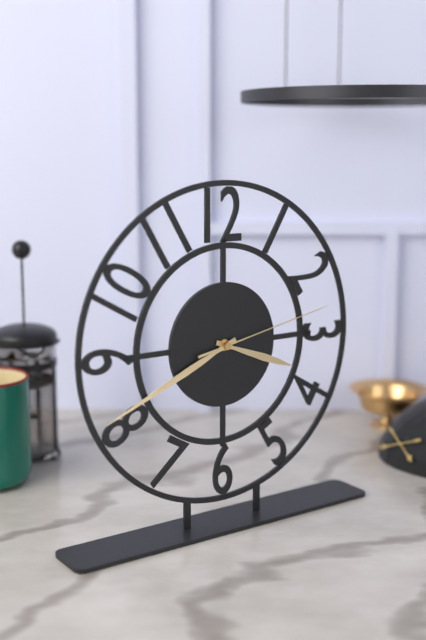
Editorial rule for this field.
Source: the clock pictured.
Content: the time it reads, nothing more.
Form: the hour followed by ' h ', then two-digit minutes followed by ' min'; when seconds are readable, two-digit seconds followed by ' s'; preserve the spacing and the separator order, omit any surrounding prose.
3 h 41 min 13 s
